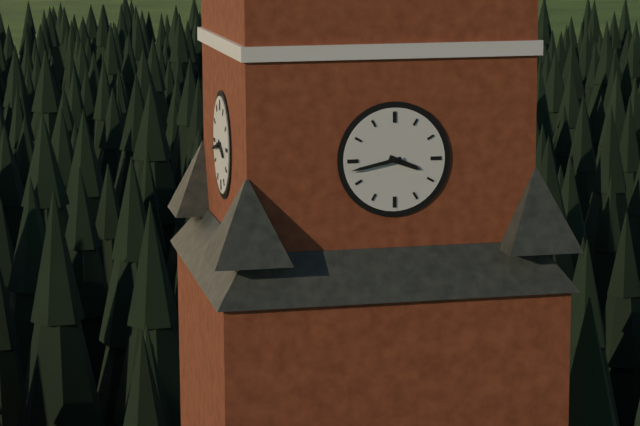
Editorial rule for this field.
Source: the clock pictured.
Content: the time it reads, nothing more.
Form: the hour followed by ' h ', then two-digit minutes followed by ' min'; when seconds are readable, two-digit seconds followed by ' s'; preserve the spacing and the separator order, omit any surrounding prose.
3 h 43 min
